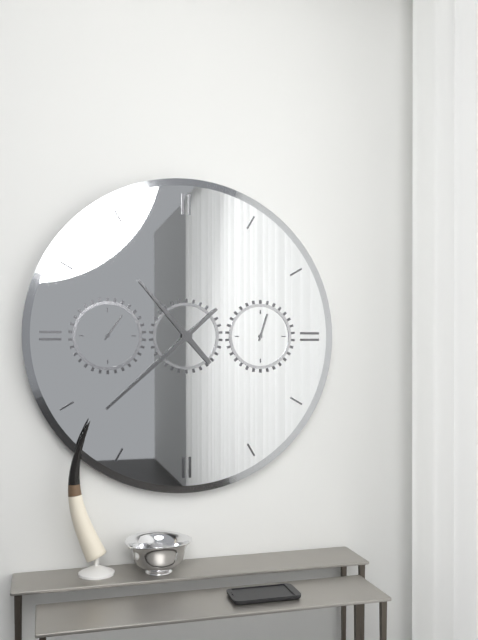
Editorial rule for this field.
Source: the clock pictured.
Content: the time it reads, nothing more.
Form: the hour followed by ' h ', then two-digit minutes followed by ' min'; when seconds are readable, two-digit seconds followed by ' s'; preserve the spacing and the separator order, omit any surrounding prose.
10 h 38 min
